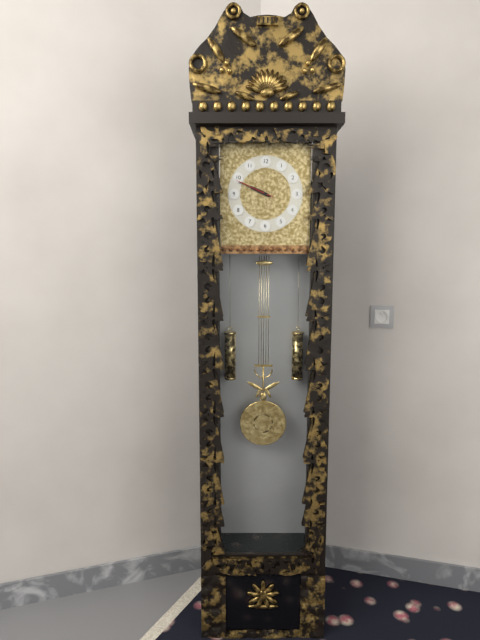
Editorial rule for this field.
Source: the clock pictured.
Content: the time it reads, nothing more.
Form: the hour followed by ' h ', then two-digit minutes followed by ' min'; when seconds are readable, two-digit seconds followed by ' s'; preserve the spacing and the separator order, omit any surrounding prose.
9 h 49 min
